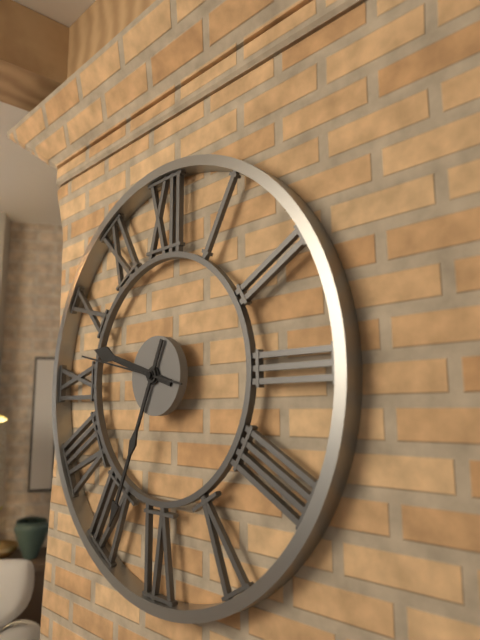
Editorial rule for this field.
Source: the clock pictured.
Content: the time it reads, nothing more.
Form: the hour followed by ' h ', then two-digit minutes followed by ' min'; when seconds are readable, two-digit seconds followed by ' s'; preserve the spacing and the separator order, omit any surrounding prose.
9 h 34 min 47 s
